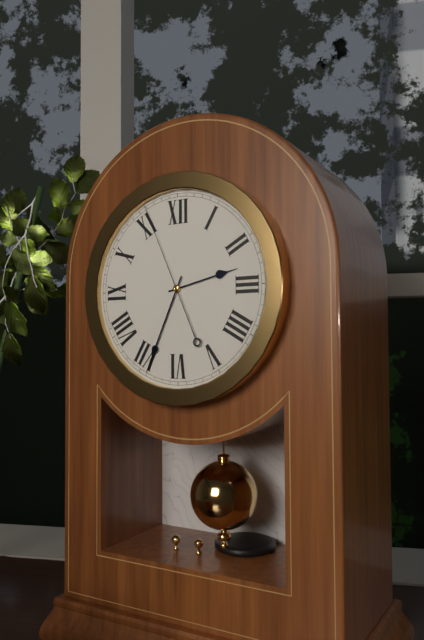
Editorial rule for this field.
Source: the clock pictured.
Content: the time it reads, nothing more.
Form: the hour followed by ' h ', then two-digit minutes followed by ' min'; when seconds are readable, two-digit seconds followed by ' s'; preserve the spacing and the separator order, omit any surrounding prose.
2 h 34 min 56 s
